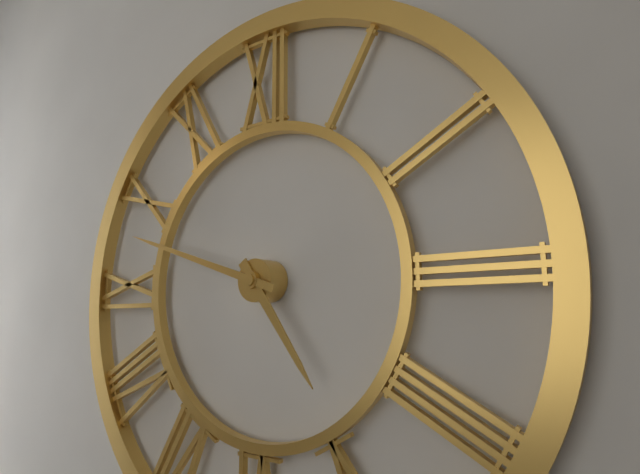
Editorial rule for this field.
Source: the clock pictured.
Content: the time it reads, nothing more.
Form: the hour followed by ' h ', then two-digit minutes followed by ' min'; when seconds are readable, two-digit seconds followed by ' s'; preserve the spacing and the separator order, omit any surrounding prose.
4 h 48 min
